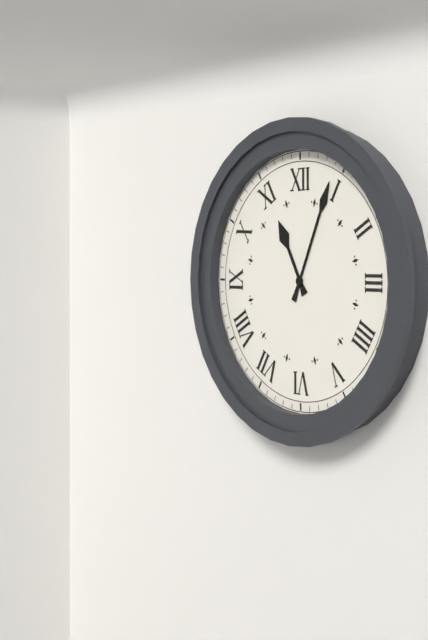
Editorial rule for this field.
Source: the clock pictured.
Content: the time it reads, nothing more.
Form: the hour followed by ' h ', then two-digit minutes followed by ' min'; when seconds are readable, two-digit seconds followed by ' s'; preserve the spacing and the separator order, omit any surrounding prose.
11 h 04 min
